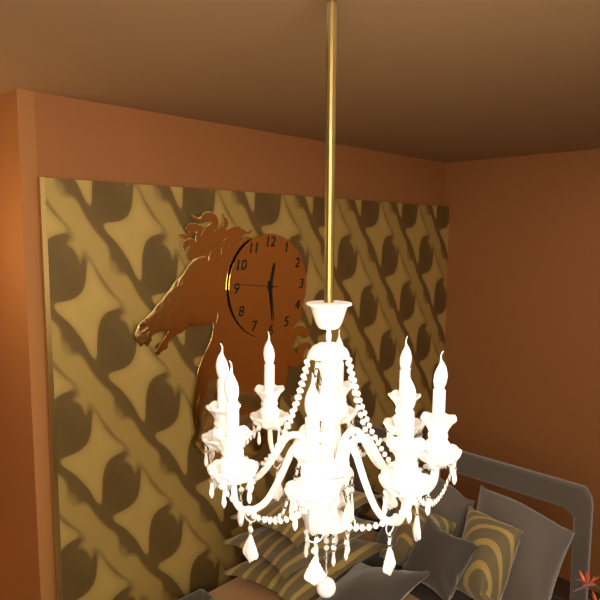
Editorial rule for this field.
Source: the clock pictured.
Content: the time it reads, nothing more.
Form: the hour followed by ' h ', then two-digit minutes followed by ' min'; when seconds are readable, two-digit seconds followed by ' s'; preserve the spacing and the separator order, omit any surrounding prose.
12 h 29 min
